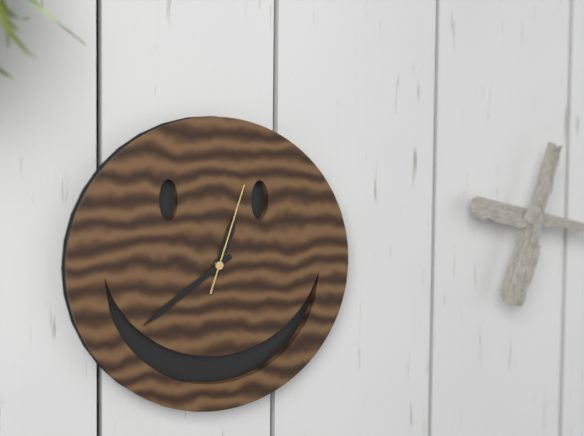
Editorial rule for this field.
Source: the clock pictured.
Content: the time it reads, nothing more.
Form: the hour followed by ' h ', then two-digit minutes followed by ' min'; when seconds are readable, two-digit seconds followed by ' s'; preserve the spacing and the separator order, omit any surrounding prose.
12 h 39 min 03 s
